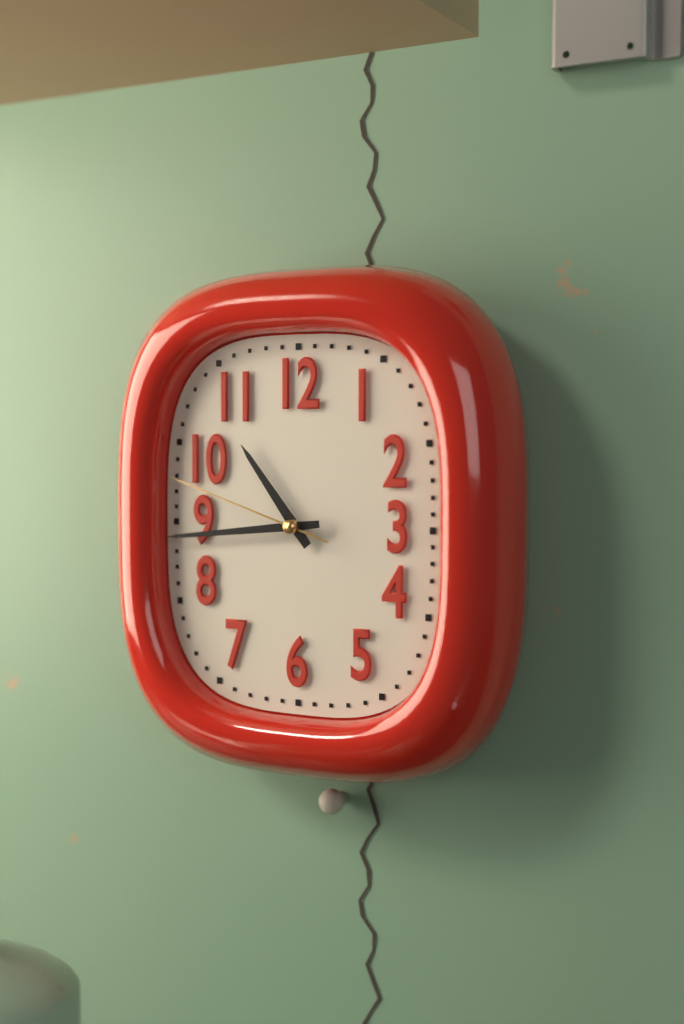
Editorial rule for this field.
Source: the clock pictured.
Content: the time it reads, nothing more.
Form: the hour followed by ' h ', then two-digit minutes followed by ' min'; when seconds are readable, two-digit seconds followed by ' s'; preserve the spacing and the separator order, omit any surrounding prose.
10 h 44 min 48 s
